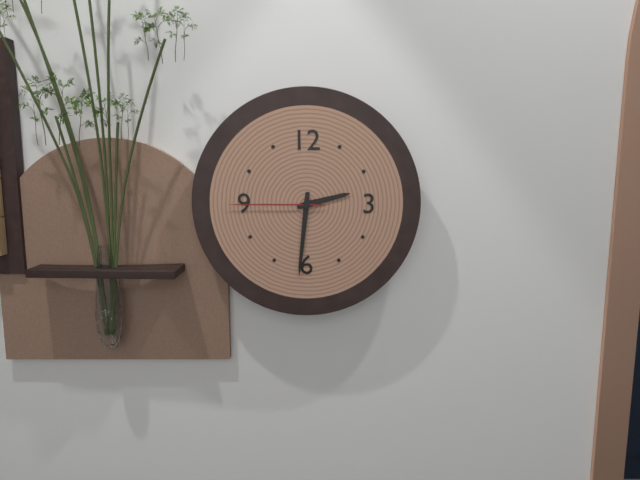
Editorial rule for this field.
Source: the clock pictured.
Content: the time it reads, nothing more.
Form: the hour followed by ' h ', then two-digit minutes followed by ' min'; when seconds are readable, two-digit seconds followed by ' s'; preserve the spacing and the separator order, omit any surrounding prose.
2 h 31 min 45 s
